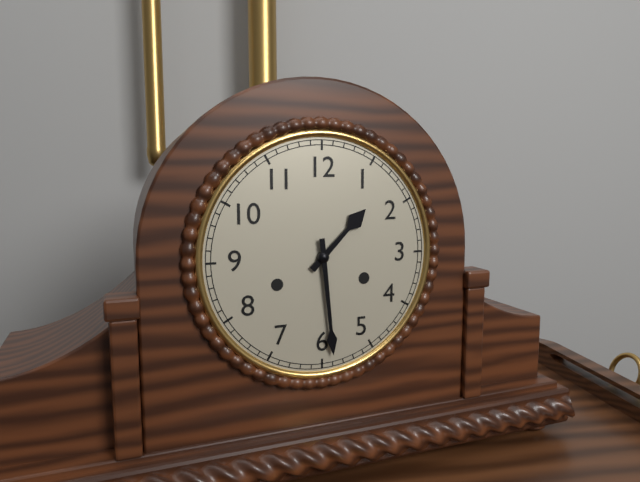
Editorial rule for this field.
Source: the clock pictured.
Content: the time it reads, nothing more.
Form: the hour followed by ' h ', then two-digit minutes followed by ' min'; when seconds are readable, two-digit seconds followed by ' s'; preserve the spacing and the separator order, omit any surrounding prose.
1 h 29 min
